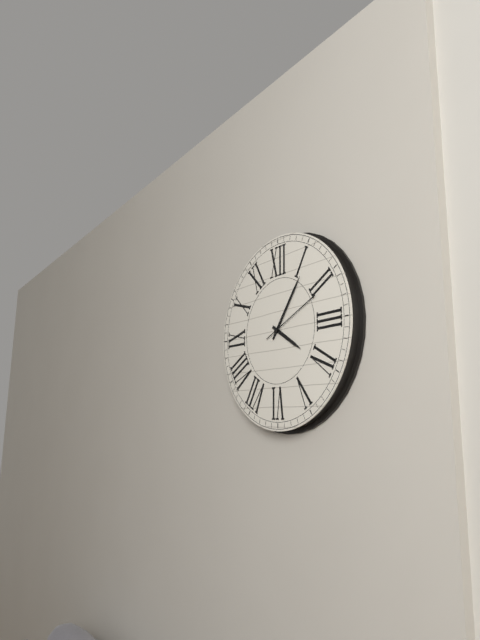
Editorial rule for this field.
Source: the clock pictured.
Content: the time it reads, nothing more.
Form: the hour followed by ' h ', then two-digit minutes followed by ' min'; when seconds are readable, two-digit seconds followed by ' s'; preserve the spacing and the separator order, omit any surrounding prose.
4 h 06 min 11 s
